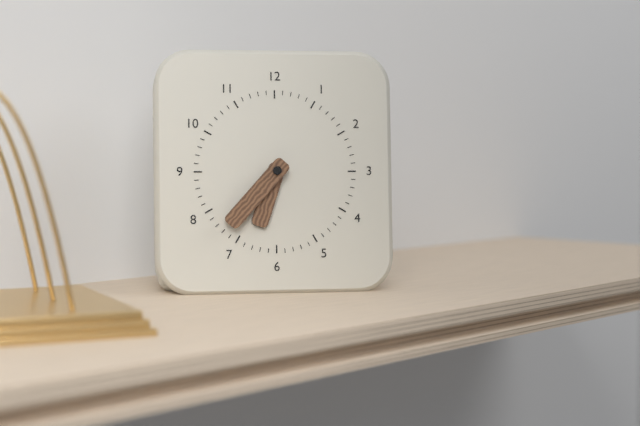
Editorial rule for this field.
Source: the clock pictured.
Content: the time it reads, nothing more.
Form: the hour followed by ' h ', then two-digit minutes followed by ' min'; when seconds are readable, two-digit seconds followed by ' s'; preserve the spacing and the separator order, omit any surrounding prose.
6 h 37 min
